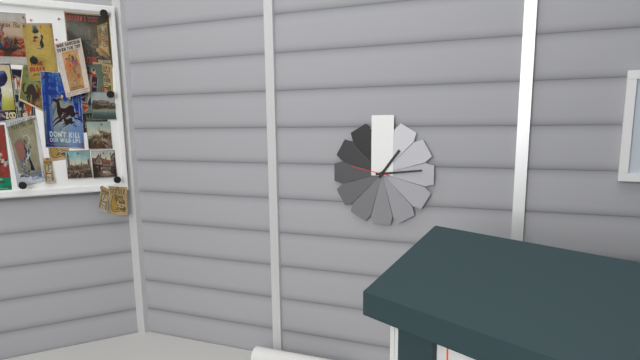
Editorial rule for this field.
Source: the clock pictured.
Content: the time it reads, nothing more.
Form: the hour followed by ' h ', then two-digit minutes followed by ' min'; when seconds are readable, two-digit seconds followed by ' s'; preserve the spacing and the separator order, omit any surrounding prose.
1 h 14 min
